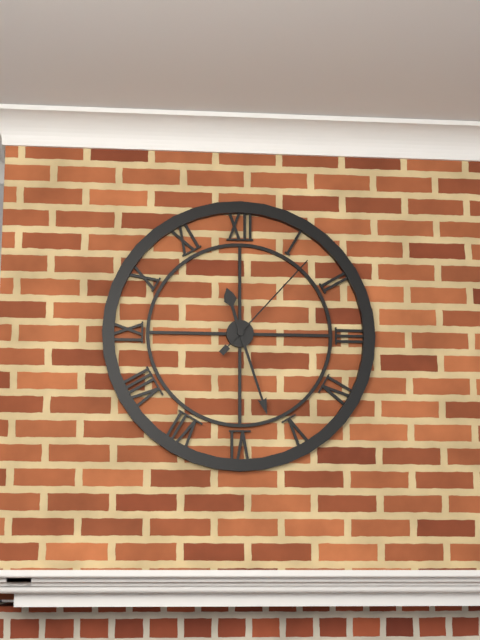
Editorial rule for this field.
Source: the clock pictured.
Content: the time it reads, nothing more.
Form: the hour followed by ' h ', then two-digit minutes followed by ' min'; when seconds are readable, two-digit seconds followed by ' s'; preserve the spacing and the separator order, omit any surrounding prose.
11 h 27 min 07 s
